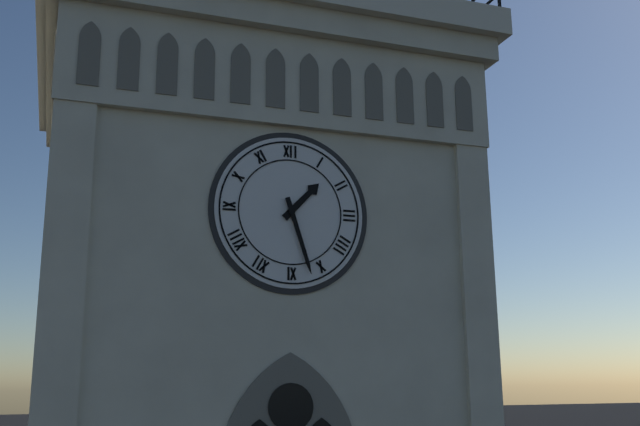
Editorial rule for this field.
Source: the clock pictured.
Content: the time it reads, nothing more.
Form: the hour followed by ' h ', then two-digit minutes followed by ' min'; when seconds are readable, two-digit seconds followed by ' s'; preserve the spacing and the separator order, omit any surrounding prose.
1 h 27 min
